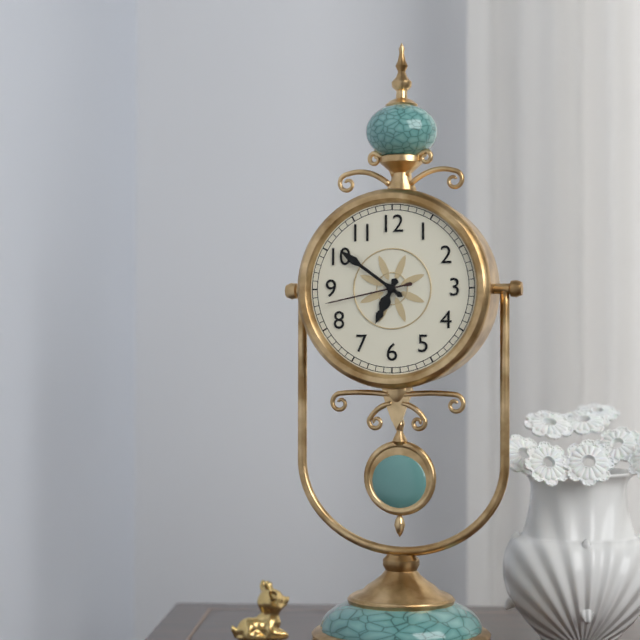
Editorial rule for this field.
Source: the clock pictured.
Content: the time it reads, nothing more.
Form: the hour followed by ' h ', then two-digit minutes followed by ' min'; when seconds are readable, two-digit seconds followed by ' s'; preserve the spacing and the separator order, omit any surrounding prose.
6 h 51 min 43 s
